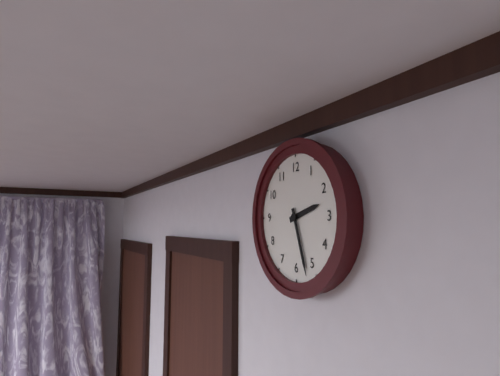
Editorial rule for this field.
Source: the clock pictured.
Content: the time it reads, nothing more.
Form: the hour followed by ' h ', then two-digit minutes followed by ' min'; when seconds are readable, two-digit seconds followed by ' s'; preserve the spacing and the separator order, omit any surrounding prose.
2 h 27 min
